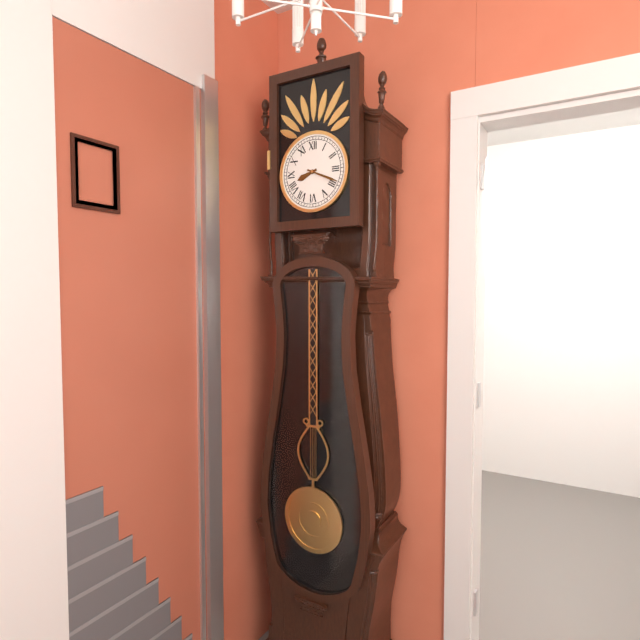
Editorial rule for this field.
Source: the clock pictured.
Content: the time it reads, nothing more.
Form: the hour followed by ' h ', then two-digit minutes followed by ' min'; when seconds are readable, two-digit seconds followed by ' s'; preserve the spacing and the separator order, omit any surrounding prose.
8 h 19 min
